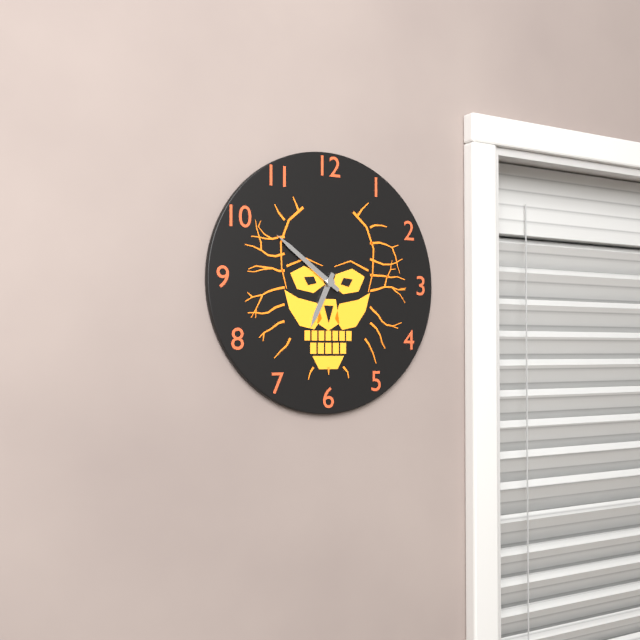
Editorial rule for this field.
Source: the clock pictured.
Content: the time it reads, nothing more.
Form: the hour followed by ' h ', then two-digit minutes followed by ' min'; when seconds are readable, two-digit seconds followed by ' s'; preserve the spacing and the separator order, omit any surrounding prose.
6 h 51 min
